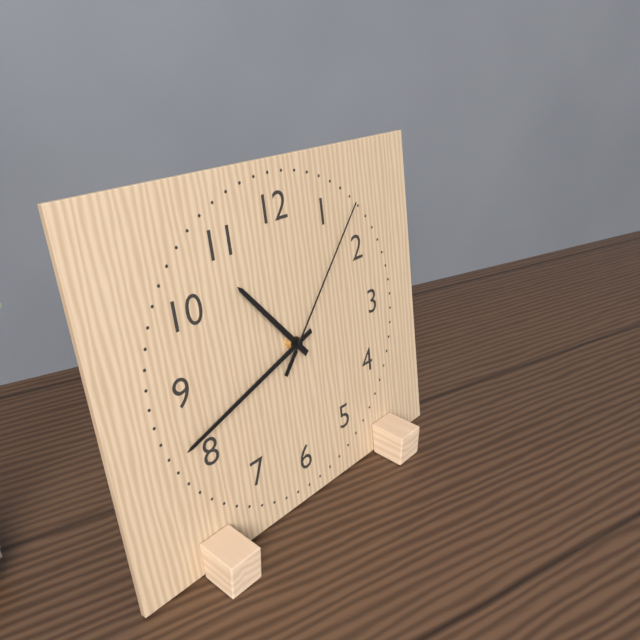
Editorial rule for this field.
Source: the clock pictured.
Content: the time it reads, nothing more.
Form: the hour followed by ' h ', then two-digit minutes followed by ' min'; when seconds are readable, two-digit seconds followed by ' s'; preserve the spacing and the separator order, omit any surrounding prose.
10 h 42 min 07 s
